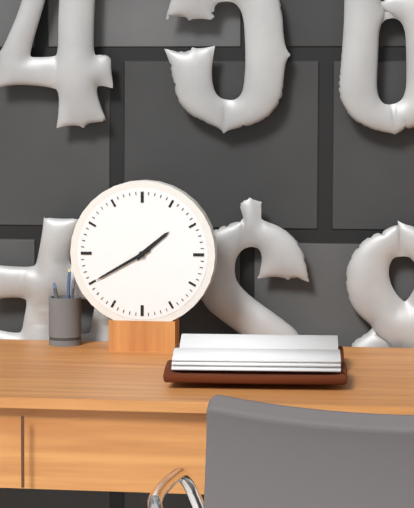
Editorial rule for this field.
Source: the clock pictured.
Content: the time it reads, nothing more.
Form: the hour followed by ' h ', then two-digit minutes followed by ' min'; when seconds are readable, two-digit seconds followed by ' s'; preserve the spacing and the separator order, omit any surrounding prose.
1 h 40 min
